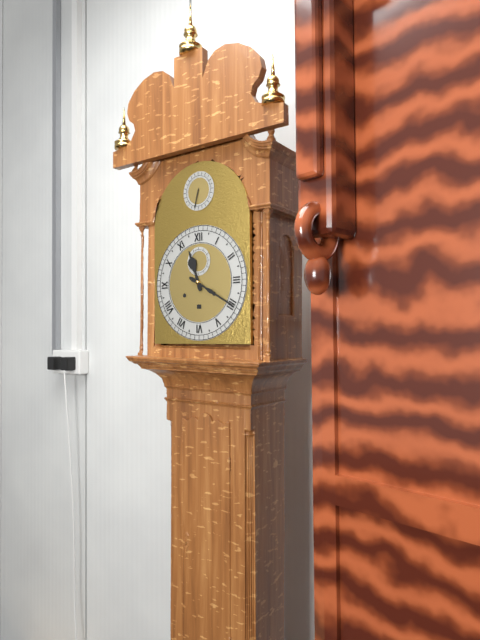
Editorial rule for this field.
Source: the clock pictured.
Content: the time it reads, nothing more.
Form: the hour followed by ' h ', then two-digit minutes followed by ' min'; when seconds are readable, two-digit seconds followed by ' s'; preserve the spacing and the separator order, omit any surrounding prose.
11 h 20 min
